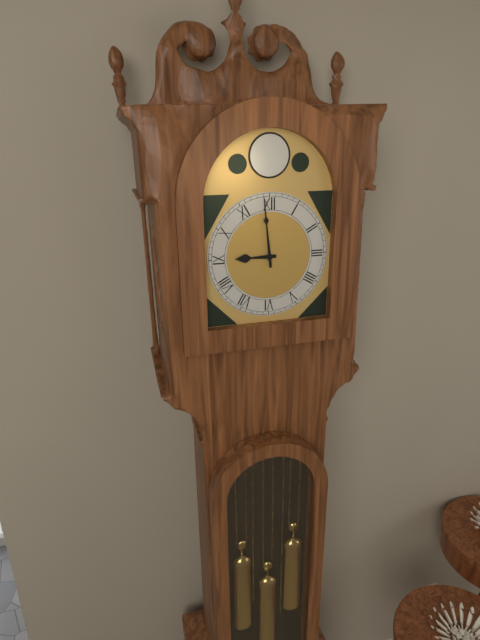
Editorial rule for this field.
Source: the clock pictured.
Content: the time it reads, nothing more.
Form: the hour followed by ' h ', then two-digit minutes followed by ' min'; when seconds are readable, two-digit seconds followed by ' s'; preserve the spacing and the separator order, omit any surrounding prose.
8 h 59 min
